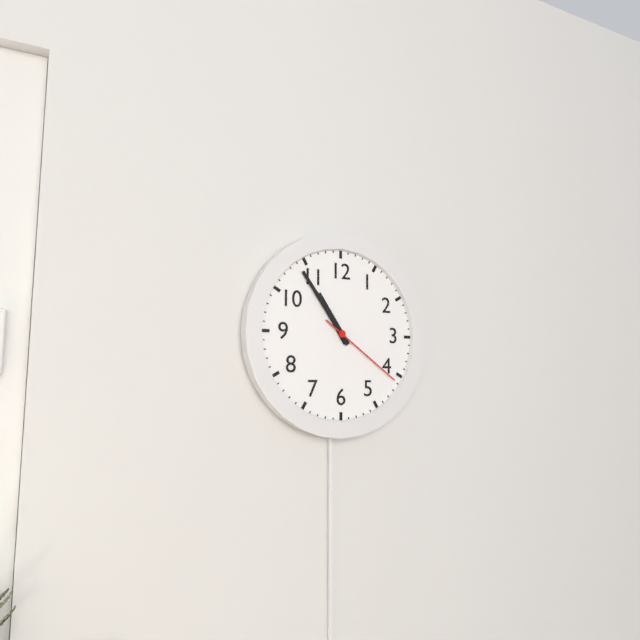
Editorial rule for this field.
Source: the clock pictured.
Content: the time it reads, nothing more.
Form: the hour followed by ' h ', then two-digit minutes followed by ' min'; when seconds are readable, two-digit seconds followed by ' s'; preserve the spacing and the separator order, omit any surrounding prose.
10 h 54 min 21 s
